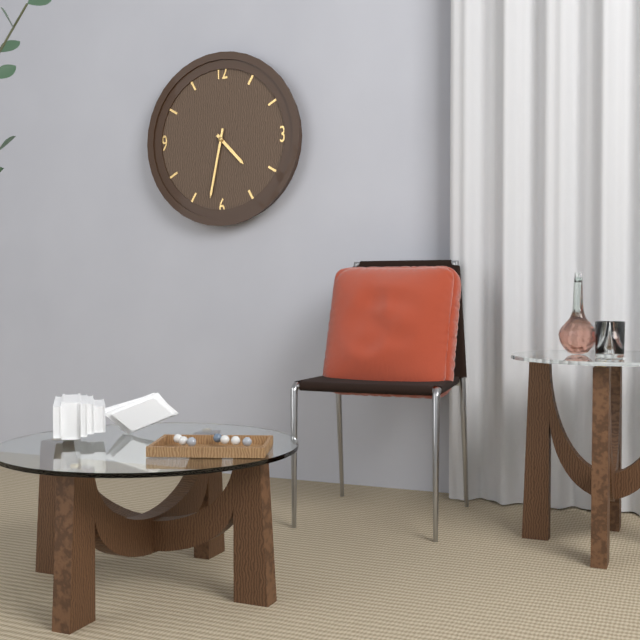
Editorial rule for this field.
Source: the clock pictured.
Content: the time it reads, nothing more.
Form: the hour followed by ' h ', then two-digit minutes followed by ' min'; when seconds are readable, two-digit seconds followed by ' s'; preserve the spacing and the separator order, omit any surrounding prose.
4 h 32 min
